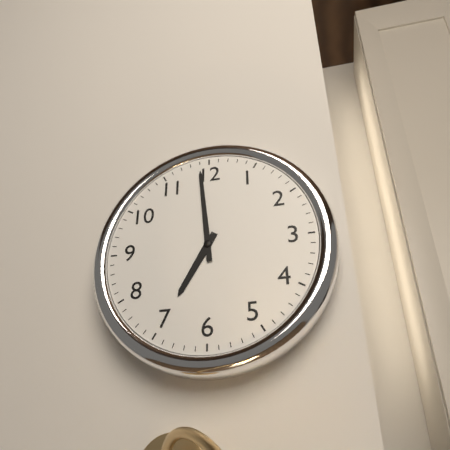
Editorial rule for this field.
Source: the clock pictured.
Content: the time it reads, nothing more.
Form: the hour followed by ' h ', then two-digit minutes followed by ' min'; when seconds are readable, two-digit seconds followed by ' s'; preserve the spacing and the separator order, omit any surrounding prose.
6 h 59 min
